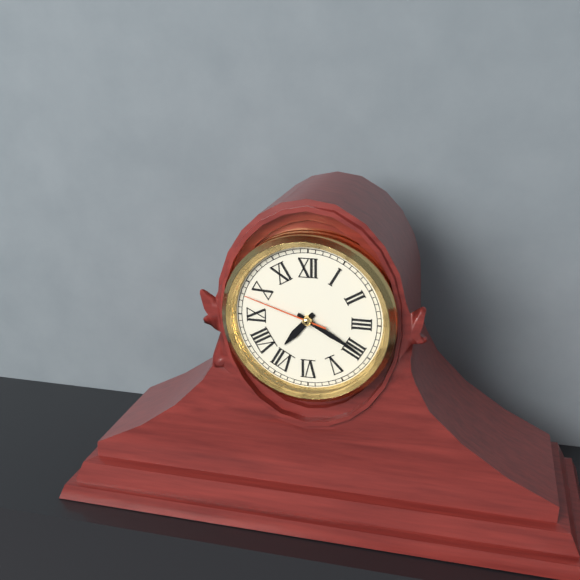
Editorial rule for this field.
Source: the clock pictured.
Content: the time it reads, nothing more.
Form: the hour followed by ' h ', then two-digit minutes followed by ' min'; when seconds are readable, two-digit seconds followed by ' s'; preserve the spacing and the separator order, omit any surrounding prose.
7 h 20 min 48 s
